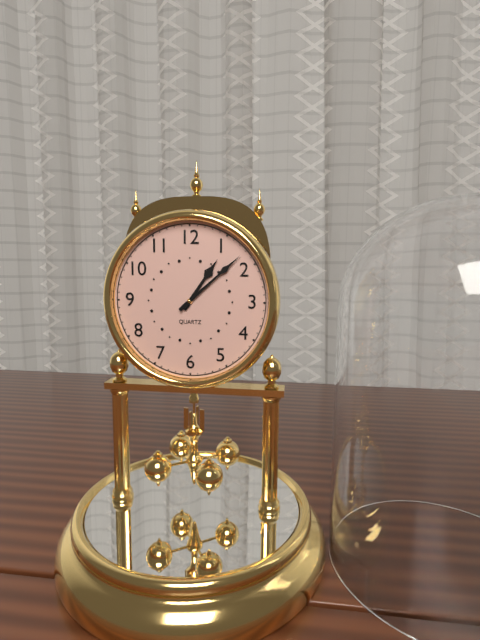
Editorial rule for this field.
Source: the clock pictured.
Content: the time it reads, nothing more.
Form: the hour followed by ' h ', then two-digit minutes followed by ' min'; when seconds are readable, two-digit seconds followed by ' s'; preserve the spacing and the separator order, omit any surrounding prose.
1 h 08 min
